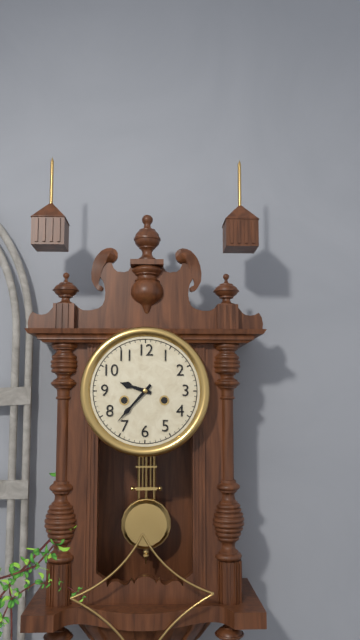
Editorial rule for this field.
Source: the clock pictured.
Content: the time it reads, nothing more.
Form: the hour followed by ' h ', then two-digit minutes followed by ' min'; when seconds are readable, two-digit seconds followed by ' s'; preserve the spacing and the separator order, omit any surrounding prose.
9 h 37 min
